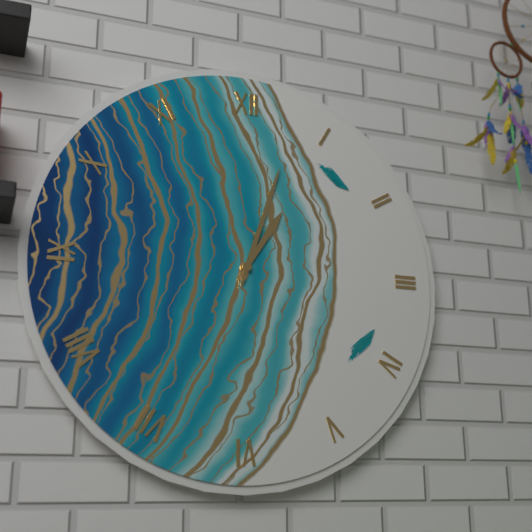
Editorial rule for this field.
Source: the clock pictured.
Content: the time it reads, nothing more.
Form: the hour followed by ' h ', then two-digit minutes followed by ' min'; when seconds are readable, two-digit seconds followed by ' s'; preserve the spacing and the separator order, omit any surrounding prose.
1 h 03 min
